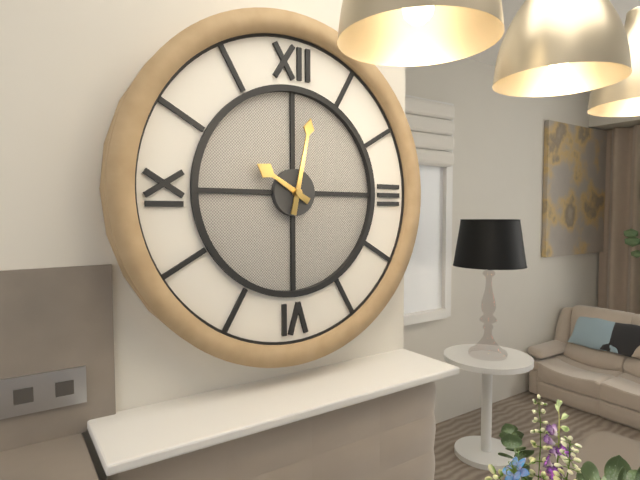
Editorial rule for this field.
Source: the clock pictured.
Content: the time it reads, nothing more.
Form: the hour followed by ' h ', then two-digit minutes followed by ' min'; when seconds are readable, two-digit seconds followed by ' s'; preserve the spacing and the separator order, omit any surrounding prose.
10 h 02 min
